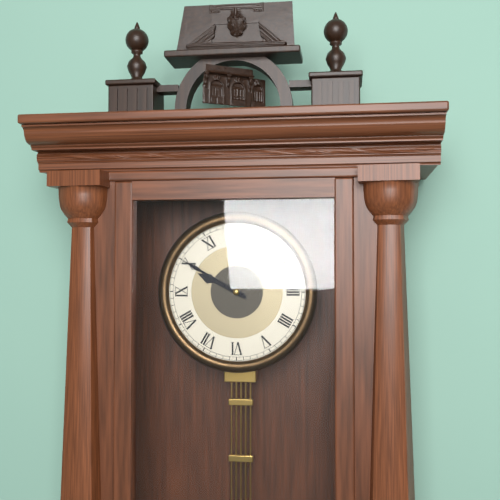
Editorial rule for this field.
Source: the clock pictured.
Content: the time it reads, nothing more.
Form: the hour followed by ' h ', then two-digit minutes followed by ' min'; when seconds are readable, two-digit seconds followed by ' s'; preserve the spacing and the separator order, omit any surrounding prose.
9 h 50 min
